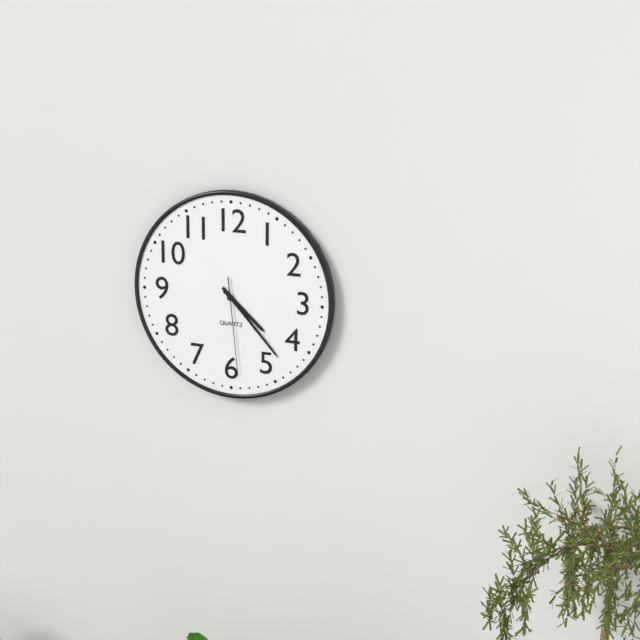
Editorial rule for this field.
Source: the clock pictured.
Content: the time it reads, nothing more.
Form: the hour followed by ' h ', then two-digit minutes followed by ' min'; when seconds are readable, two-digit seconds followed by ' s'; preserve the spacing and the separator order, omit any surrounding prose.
4 h 23 min 29 s
